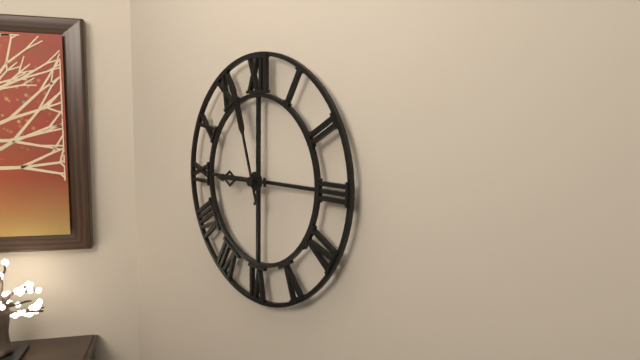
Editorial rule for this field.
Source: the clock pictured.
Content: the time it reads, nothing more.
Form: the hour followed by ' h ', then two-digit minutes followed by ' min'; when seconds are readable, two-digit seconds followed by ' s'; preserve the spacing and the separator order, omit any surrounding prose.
8 h 57 min
